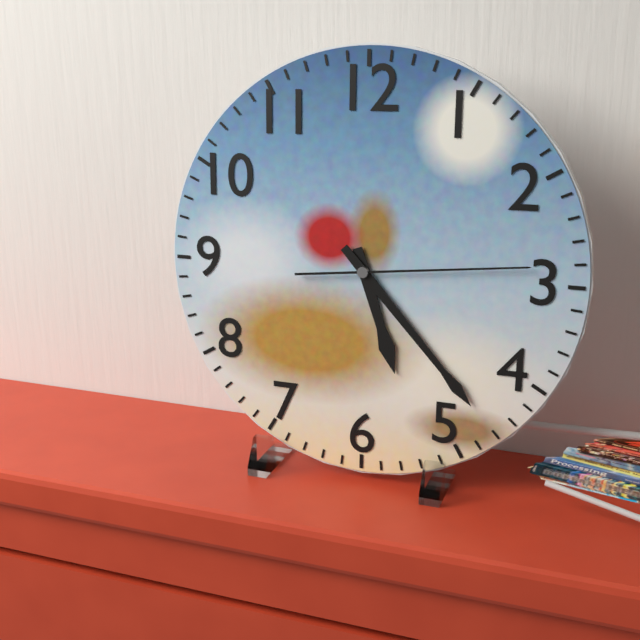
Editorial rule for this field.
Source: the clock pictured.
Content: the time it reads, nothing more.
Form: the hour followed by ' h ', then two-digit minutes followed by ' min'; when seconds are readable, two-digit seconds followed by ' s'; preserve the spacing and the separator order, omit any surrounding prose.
5 h 23 min 14 s
